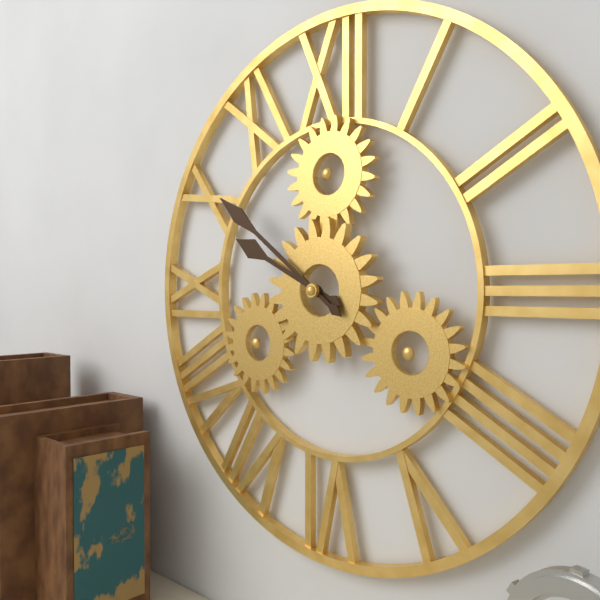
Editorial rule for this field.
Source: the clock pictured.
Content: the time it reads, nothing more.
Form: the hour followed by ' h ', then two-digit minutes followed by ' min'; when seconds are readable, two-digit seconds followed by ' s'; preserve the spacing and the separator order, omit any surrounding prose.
9 h 51 min
